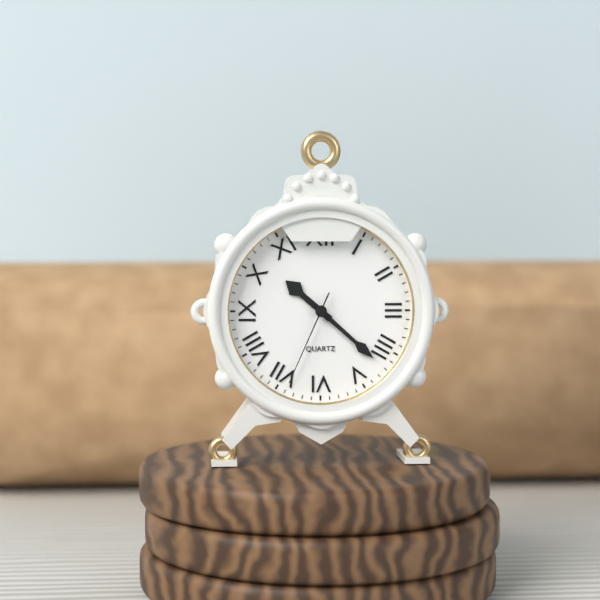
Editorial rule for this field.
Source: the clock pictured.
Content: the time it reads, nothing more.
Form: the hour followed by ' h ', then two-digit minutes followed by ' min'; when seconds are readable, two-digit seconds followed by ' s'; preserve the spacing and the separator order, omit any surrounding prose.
10 h 22 min 34 s
